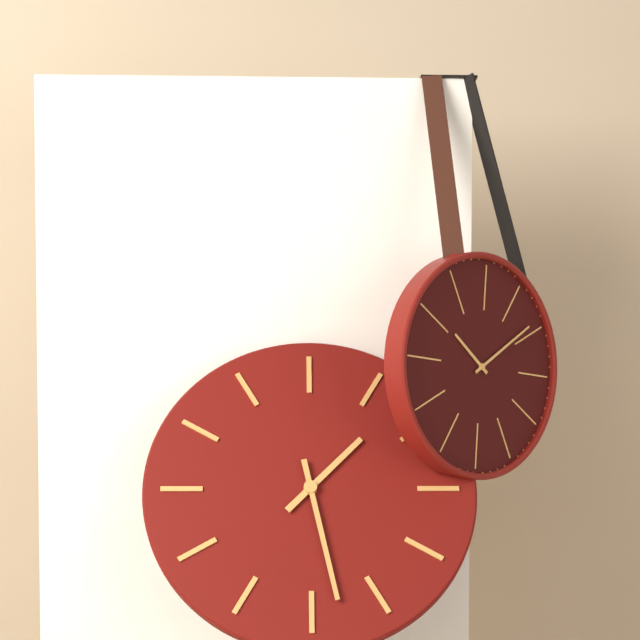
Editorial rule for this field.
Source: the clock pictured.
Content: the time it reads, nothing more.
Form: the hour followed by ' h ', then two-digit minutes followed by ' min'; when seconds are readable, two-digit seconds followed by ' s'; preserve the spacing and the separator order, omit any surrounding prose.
1 h 28 min
